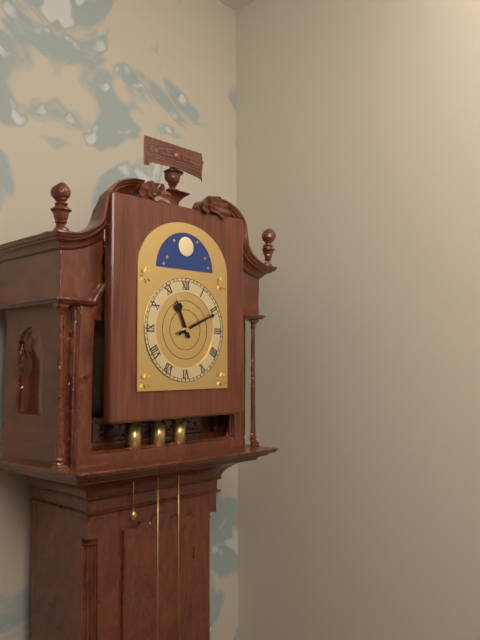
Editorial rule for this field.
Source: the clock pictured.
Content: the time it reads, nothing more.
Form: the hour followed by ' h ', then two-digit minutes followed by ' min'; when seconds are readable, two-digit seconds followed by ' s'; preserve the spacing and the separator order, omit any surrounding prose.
11 h 11 min
